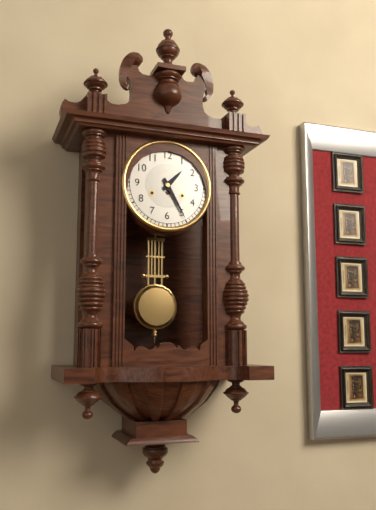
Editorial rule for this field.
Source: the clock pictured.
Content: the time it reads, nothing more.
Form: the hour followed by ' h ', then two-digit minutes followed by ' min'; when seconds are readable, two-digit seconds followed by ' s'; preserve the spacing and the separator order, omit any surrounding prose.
1 h 25 min
